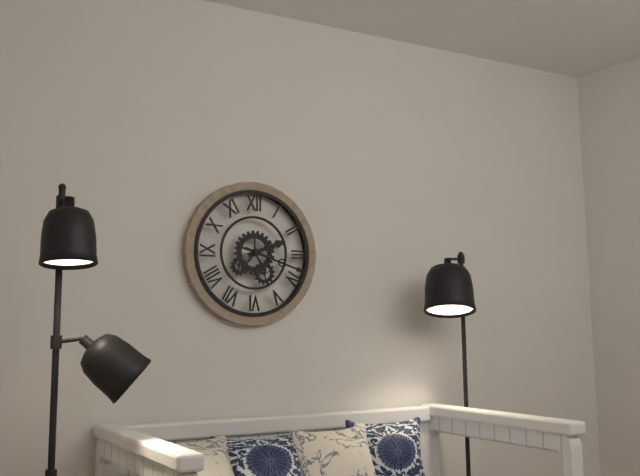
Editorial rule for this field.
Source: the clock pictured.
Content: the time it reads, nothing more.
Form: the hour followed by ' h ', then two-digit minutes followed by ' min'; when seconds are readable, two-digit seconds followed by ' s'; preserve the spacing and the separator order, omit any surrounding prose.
2 h 18 min
